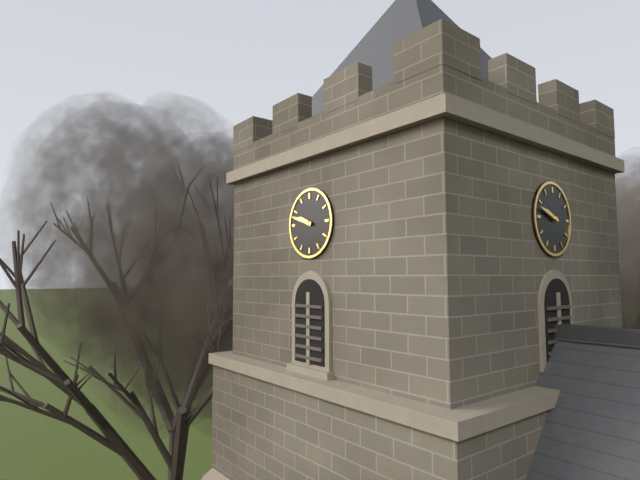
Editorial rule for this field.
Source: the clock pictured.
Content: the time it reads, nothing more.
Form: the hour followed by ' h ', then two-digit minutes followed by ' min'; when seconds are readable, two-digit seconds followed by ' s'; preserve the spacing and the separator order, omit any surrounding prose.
9 h 48 min
